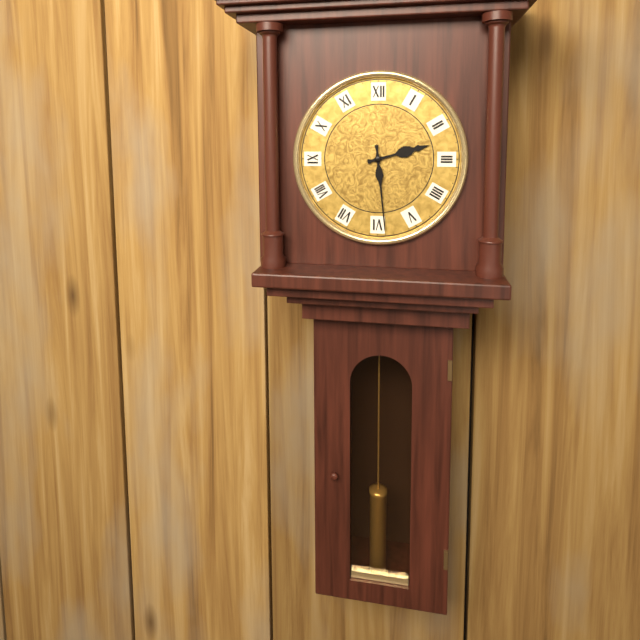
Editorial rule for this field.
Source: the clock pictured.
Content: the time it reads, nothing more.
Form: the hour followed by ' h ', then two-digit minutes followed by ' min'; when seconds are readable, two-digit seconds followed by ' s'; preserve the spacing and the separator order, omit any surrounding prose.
2 h 29 min
